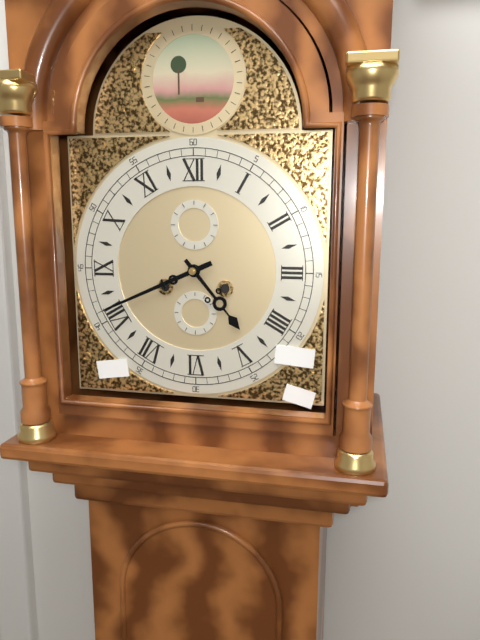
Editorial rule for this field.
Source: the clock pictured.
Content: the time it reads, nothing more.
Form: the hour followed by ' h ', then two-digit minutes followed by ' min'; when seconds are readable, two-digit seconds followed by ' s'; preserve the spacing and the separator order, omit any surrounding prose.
4 h 41 min
